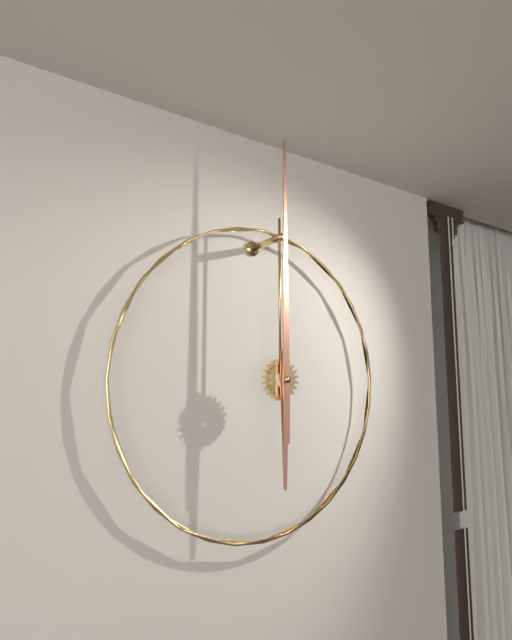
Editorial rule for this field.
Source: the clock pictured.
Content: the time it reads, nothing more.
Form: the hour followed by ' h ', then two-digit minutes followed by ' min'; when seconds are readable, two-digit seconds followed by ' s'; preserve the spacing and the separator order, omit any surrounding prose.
6 h 00 min
